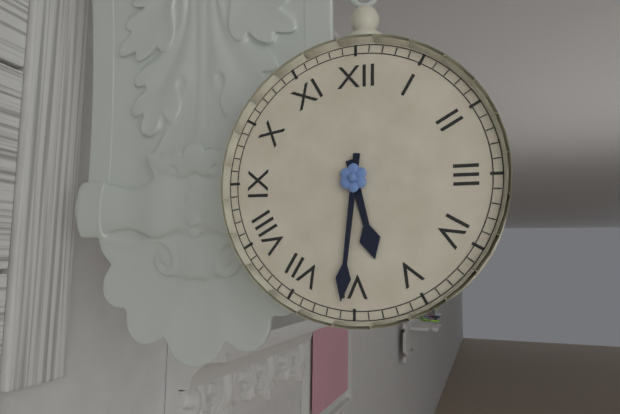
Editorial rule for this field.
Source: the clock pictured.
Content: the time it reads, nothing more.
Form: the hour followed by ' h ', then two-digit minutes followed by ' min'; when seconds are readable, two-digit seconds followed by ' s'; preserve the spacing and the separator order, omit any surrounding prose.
5 h 31 min
